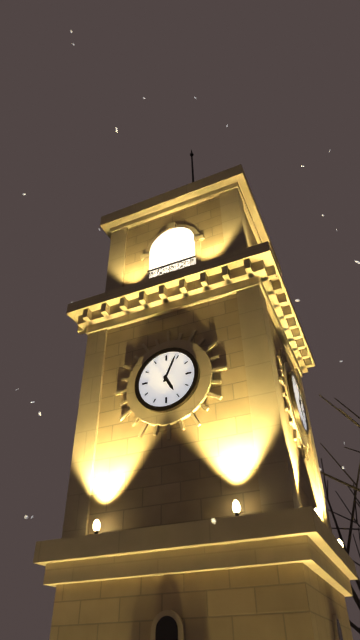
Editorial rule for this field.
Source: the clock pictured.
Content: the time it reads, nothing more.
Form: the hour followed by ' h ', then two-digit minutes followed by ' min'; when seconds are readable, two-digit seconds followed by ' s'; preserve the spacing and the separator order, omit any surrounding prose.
5 h 04 min
